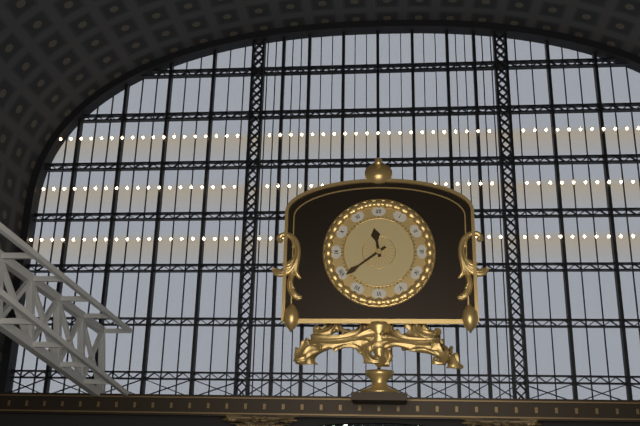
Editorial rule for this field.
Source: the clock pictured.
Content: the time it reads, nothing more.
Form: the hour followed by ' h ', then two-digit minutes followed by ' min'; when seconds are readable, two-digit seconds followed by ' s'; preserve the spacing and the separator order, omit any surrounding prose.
11 h 39 min
